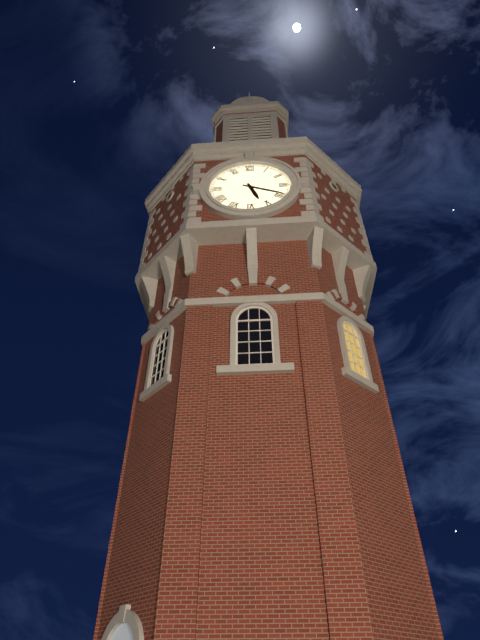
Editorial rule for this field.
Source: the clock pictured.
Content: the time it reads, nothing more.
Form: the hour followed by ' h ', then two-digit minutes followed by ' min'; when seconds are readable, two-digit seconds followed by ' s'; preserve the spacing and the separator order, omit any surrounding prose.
5 h 19 min
